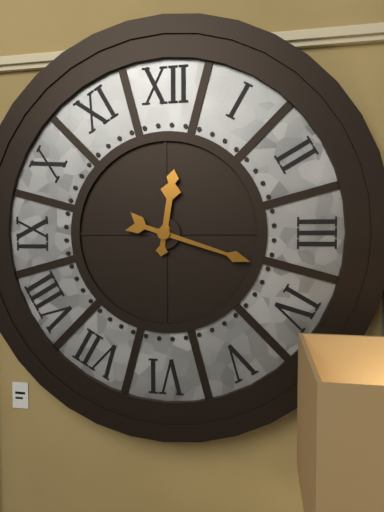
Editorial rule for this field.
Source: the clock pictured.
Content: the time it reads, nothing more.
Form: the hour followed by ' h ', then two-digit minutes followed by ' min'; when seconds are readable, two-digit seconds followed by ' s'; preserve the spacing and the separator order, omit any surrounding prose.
12 h 18 min
